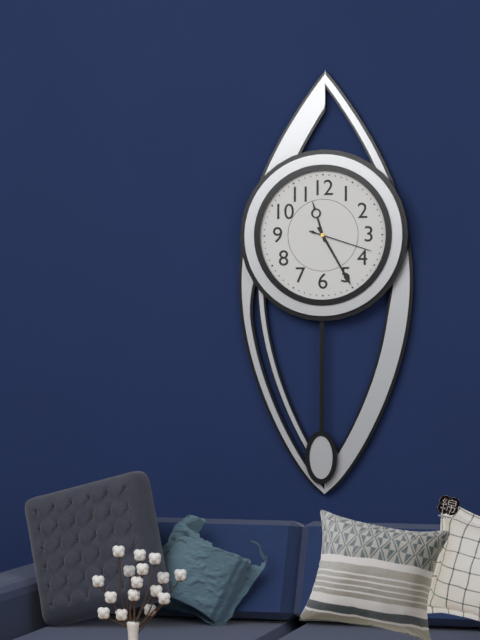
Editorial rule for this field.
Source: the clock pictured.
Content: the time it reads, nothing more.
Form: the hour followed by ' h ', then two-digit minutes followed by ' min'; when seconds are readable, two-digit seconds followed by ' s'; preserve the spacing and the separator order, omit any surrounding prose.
11 h 25 min 18 s
